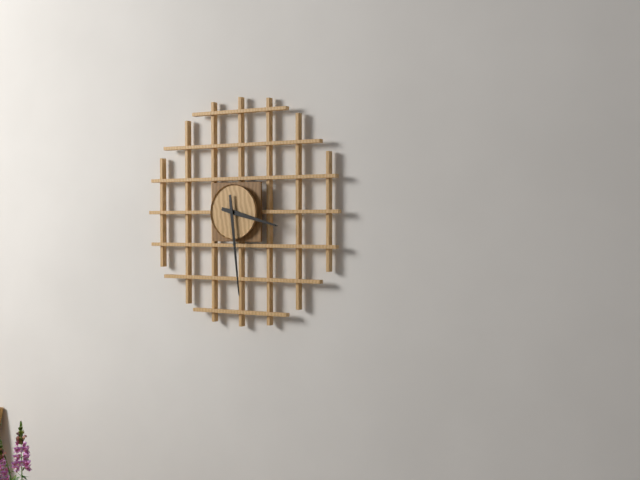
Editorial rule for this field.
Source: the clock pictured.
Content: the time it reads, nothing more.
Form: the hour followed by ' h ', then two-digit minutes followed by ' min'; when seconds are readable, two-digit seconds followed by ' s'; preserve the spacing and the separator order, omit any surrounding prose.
3 h 29 min
